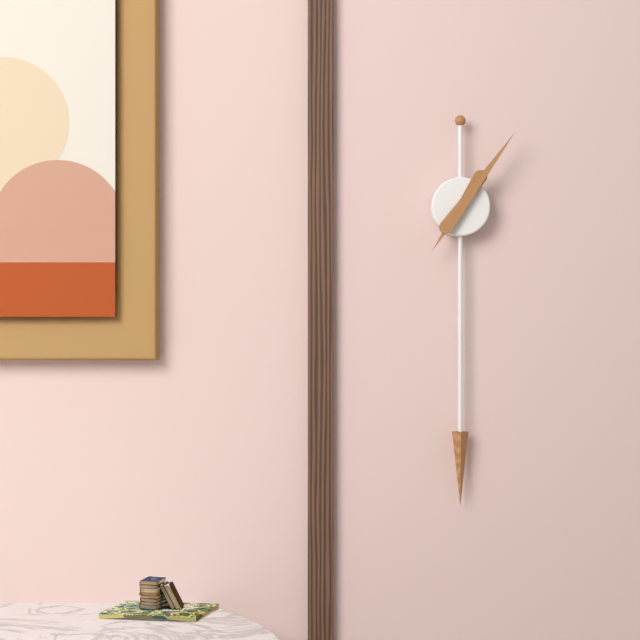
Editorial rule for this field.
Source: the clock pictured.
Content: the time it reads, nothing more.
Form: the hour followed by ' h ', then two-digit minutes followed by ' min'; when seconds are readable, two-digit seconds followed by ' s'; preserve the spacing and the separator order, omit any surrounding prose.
7 h 06 min
